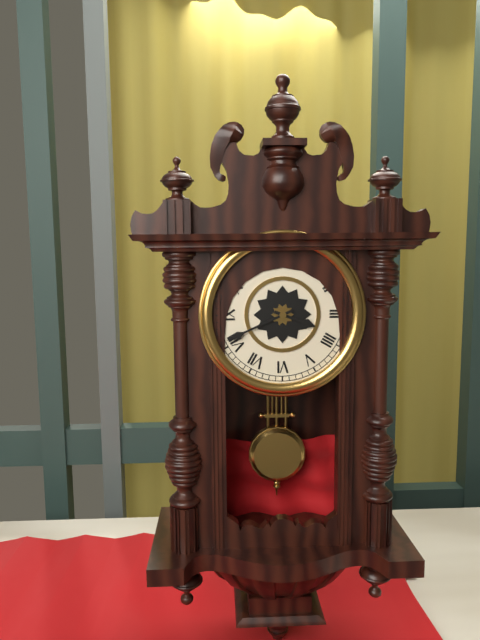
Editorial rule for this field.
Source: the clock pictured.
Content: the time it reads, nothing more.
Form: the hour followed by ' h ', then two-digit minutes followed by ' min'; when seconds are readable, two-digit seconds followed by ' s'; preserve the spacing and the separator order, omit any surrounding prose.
3 h 41 min
